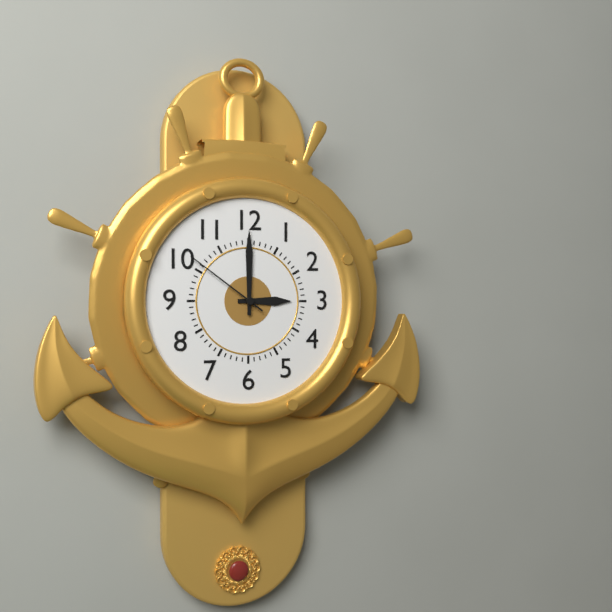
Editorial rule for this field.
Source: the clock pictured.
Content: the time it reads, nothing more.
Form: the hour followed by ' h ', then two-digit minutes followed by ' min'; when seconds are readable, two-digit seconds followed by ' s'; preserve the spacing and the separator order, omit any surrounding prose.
3 h 00 min 51 s
